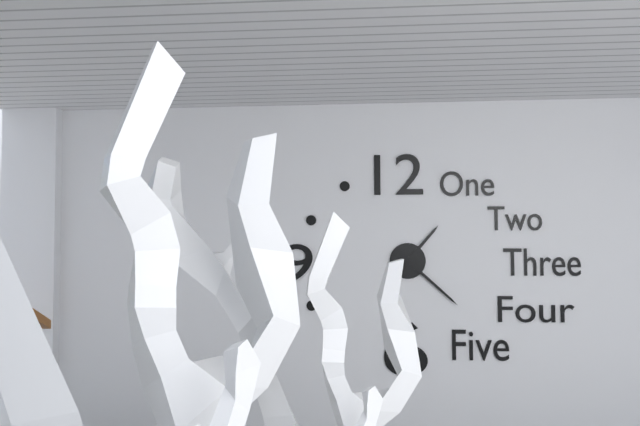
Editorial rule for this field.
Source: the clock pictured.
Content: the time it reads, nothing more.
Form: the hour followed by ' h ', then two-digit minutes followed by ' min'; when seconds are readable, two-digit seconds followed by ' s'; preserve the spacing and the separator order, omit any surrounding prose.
1 h 22 min
